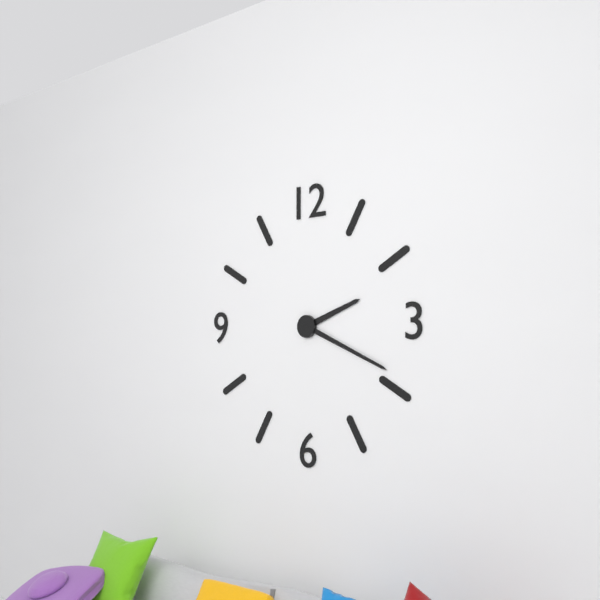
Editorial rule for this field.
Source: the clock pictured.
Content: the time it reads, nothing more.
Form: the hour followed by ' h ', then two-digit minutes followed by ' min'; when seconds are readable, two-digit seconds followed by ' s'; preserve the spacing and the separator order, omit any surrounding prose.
2 h 19 min
